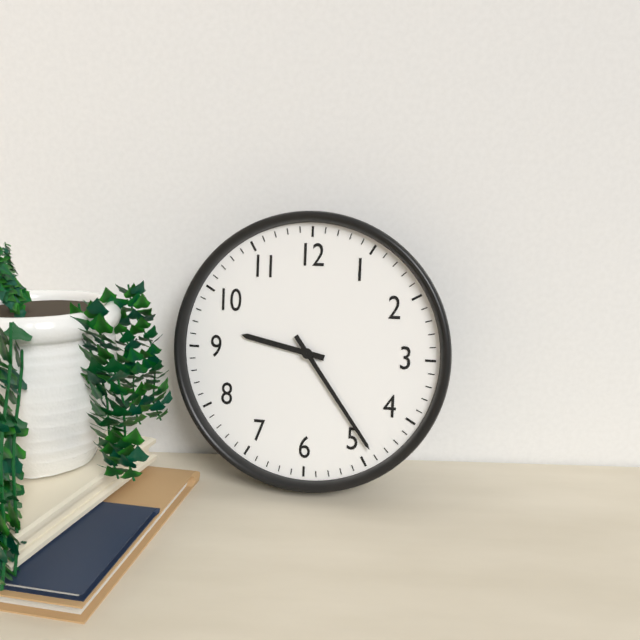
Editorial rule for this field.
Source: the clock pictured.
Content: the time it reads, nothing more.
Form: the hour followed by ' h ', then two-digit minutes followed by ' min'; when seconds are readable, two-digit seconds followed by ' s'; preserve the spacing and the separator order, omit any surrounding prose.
9 h 24 min
